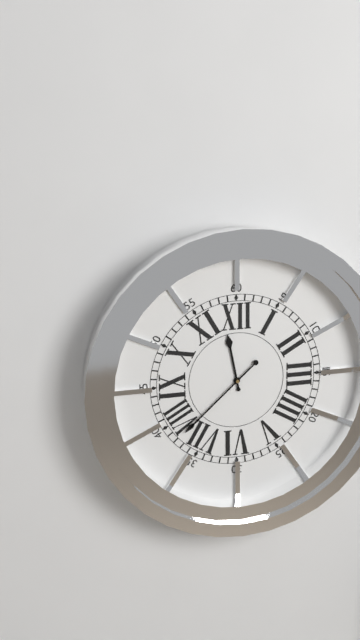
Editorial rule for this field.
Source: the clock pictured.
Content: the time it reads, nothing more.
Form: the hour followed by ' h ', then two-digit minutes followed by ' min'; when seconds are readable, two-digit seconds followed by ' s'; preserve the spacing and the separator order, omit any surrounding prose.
11 h 38 min
